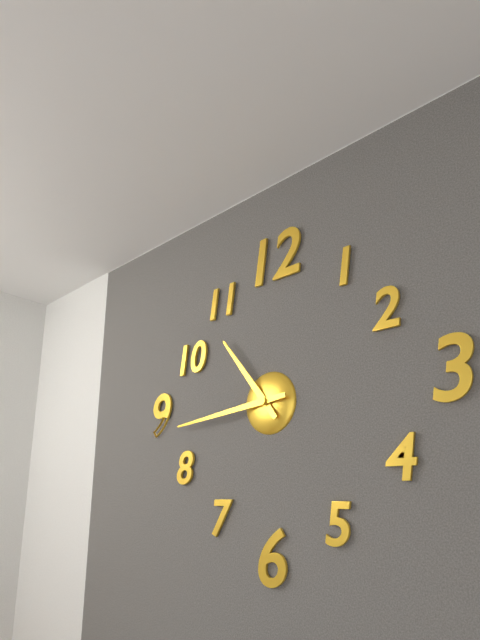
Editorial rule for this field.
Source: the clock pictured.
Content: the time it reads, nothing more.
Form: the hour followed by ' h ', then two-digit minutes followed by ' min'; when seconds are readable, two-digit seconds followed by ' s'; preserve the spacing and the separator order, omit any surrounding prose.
10 h 44 min
